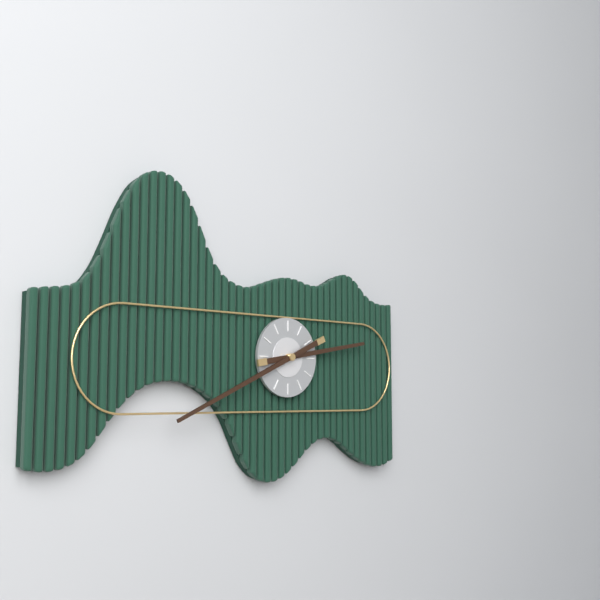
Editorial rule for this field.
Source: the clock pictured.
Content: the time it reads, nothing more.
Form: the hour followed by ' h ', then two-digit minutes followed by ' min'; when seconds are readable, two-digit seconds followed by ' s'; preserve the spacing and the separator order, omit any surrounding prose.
2 h 41 min
